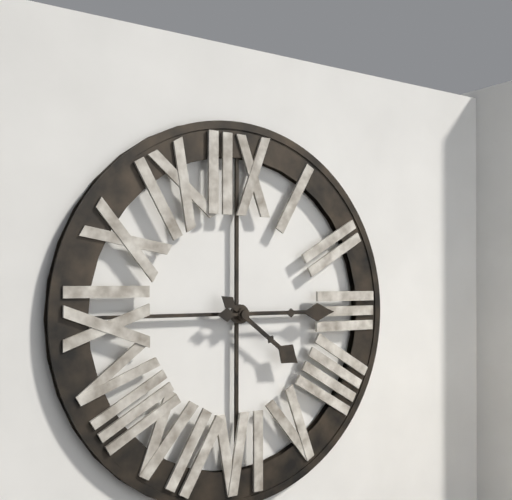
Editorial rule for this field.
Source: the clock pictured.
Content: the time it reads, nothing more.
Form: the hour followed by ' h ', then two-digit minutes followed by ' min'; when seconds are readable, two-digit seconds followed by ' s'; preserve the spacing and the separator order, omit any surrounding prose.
4 h 15 min
